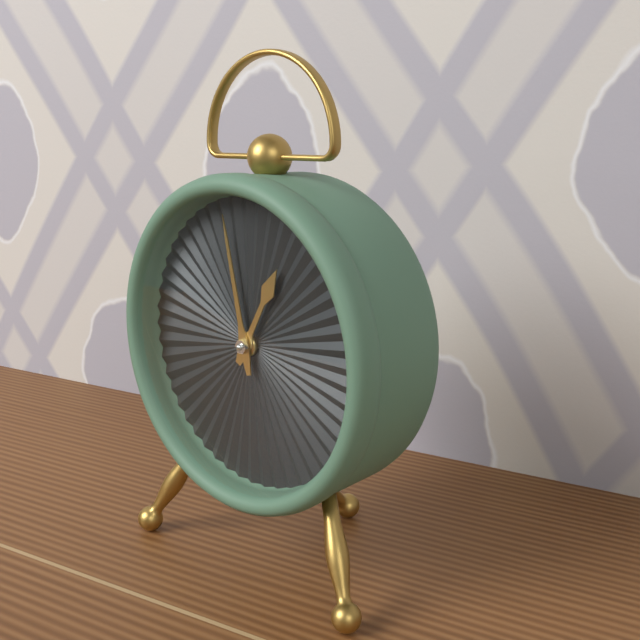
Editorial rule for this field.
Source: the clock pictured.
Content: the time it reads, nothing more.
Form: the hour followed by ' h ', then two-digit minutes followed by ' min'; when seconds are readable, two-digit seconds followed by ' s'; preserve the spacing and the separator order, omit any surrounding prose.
12 h 58 min
